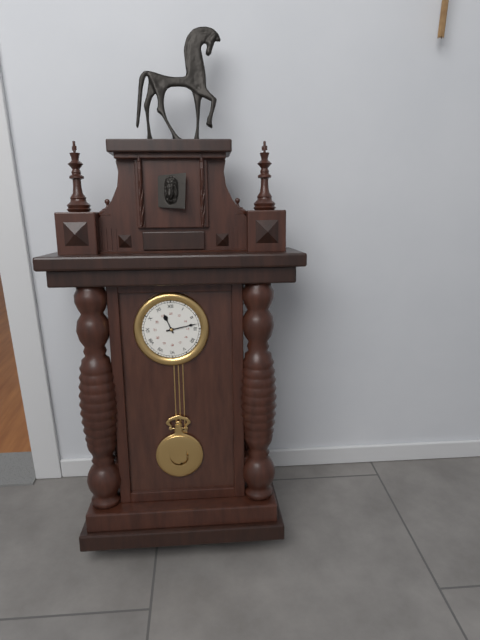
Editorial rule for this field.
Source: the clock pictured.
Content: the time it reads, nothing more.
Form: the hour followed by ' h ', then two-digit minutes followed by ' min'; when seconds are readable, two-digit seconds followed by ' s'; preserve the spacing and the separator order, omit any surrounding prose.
11 h 13 min
